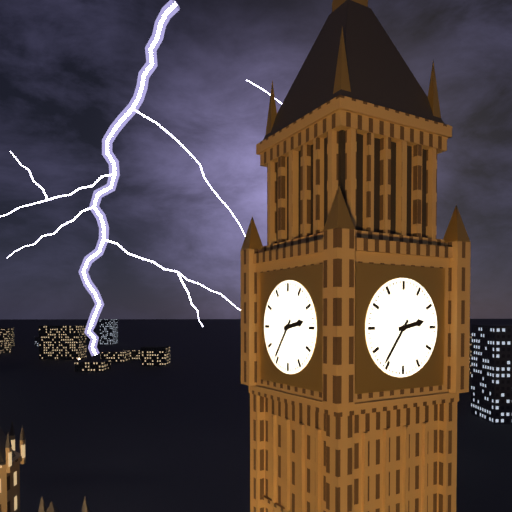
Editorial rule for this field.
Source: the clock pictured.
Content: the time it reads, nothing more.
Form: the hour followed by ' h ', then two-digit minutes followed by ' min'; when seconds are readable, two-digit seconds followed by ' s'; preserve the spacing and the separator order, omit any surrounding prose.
2 h 36 min
